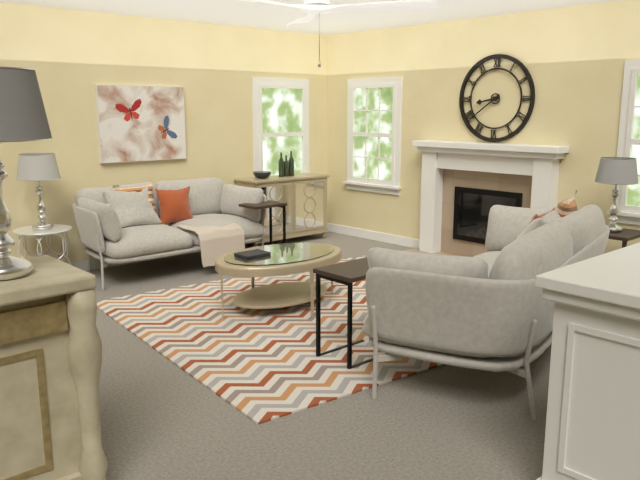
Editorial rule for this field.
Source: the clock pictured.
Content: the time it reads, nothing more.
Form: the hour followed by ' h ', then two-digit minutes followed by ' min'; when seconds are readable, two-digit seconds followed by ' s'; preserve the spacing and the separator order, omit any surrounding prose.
8 h 39 min
